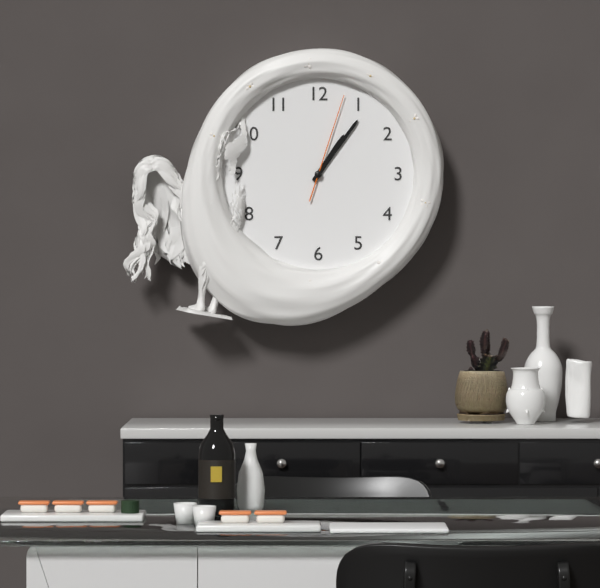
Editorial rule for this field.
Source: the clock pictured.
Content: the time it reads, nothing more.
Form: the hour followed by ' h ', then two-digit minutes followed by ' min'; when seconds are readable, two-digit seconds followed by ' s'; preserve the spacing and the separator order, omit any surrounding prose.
1 h 06 min 03 s
